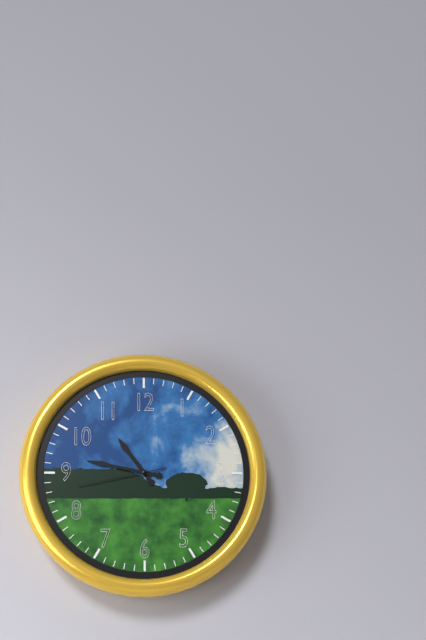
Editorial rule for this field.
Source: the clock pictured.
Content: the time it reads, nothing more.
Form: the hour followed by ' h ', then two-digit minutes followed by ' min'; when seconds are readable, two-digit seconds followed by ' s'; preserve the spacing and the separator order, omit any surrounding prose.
10 h 47 min 43 s
